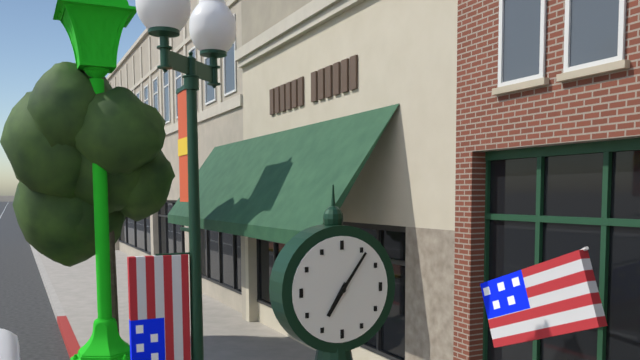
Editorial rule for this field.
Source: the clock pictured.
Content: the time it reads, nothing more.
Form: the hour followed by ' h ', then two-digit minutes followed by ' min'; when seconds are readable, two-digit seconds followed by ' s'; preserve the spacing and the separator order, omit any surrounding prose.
7 h 06 min
